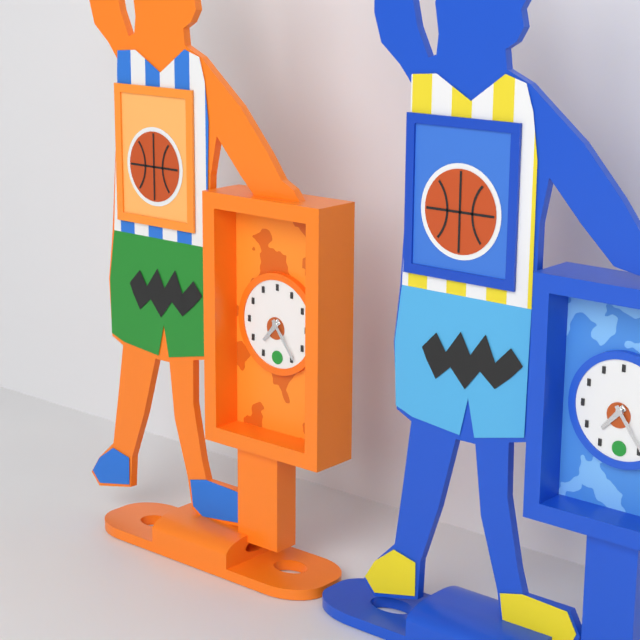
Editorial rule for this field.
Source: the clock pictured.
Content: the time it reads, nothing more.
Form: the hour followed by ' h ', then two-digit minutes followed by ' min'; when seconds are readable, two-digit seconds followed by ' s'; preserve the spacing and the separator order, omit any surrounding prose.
7 h 24 min
